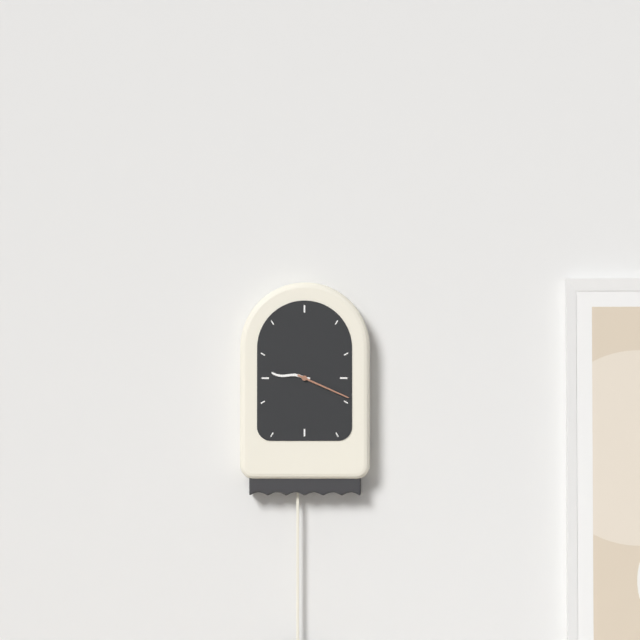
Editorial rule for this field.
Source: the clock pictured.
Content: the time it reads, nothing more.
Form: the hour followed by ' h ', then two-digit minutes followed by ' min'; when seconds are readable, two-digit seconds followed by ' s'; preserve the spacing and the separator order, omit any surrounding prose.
9 h 19 min
